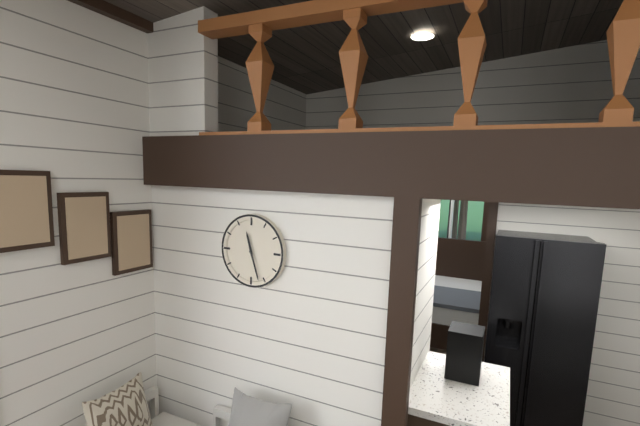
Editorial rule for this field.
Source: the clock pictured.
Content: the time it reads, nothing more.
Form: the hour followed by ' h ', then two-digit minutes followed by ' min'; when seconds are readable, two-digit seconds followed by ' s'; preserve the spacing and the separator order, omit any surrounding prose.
11 h 27 min
